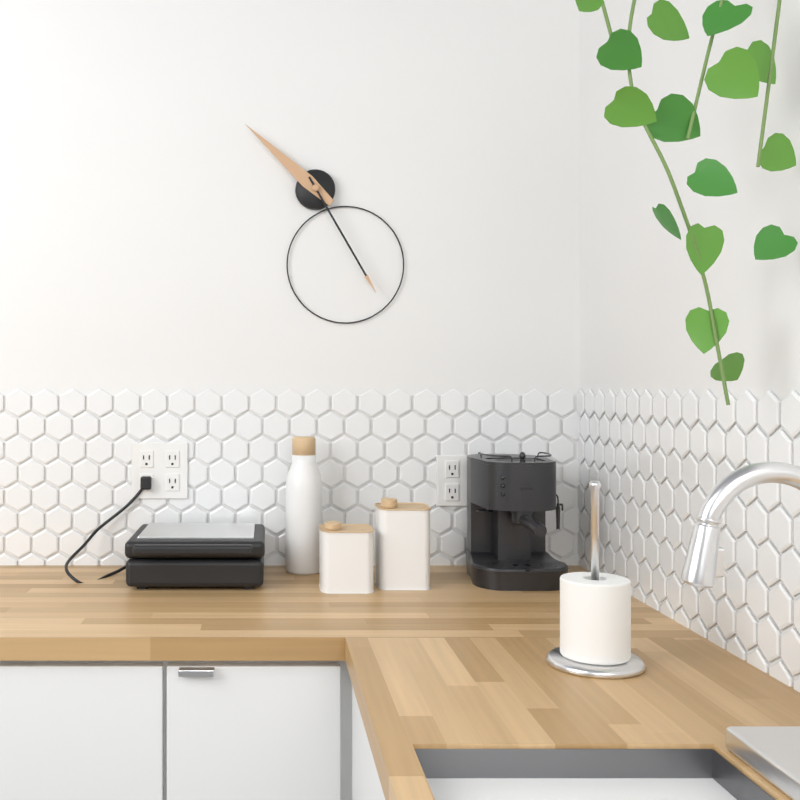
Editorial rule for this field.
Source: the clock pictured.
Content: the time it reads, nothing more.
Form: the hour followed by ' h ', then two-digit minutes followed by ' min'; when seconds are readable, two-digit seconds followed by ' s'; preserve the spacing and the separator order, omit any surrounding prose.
10 h 25 min
